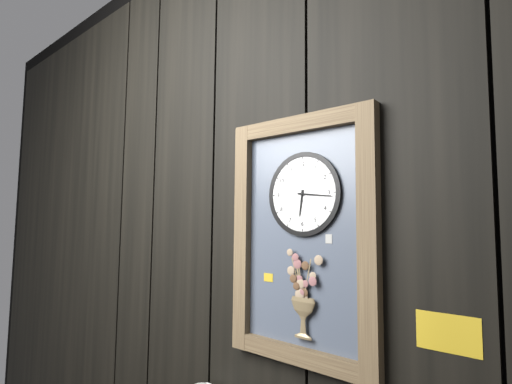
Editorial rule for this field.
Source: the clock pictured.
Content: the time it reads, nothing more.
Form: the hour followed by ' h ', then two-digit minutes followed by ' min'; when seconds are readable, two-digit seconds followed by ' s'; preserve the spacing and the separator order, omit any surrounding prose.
6 h 16 min
